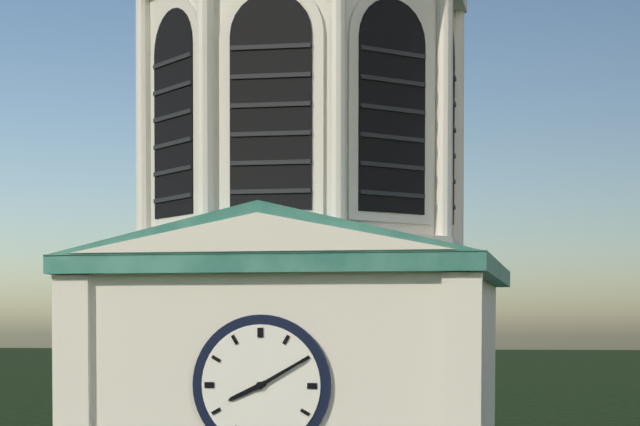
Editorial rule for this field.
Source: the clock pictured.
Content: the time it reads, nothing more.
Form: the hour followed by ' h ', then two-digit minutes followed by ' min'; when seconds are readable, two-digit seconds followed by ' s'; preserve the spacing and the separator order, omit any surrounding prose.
8 h 10 min
